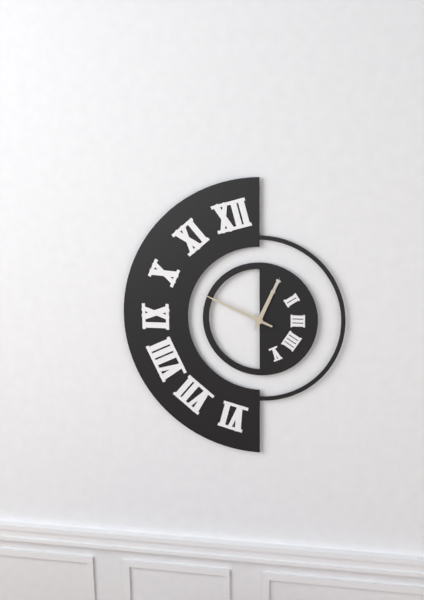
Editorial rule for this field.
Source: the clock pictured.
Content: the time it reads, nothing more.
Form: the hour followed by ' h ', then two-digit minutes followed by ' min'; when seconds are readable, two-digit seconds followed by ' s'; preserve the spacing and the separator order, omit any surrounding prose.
12 h 49 min
